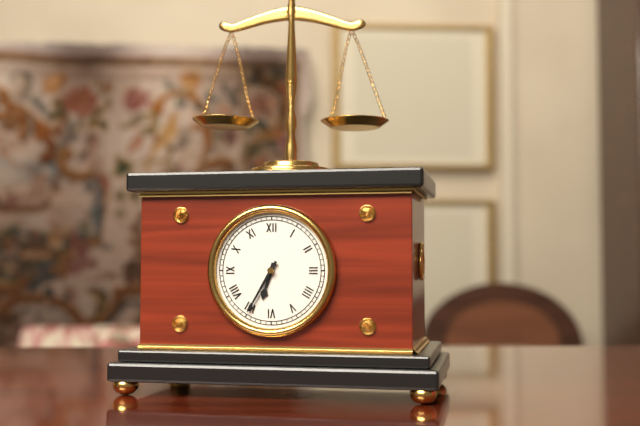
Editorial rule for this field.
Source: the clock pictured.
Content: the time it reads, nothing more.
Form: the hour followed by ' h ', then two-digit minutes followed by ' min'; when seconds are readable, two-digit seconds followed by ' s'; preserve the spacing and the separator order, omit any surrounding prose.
6 h 35 min
